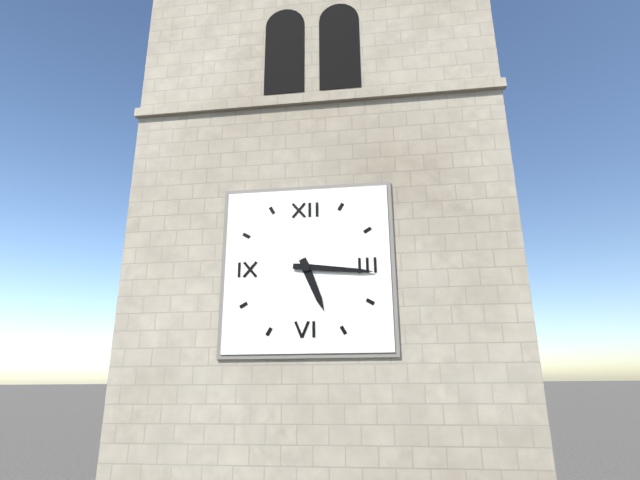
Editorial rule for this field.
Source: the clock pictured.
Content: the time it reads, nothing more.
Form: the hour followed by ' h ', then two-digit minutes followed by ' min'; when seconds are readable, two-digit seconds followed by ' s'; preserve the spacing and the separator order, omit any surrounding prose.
5 h 16 min
